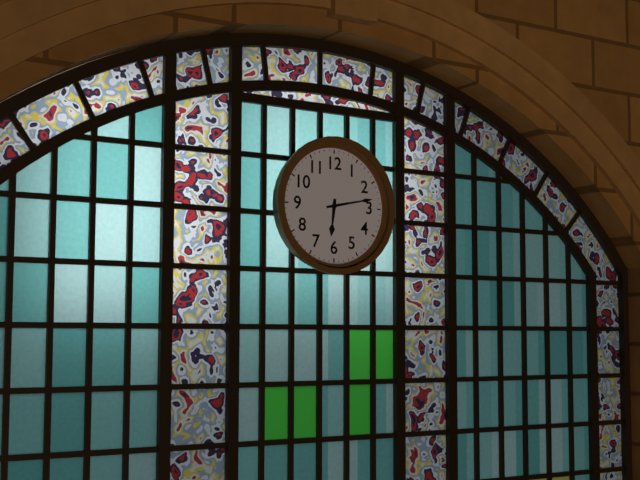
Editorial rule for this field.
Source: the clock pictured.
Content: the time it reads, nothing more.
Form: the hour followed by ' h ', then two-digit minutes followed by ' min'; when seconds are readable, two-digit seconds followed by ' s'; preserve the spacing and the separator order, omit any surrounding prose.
6 h 13 min
